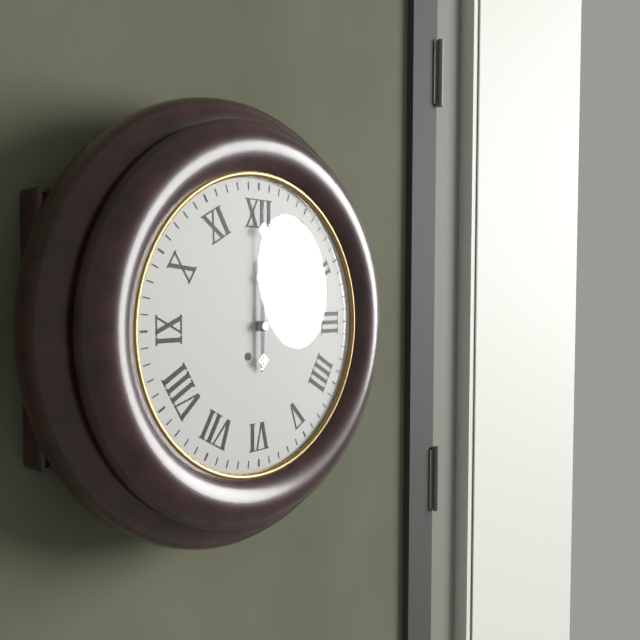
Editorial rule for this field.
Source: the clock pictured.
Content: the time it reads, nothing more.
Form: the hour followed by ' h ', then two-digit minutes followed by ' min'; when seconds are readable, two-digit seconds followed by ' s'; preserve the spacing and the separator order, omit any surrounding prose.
12 h 00 min
